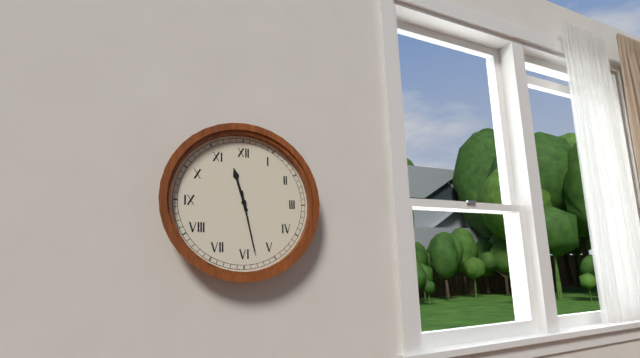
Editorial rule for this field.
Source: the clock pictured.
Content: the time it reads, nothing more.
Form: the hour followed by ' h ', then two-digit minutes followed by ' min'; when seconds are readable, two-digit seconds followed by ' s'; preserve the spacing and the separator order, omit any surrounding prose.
11 h 28 min
